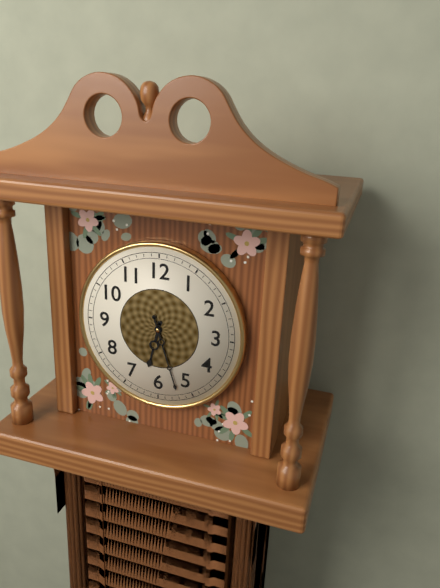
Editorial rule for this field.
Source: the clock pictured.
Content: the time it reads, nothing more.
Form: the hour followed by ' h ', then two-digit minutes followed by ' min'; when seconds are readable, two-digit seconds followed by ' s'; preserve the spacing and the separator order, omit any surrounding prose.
6 h 27 min
